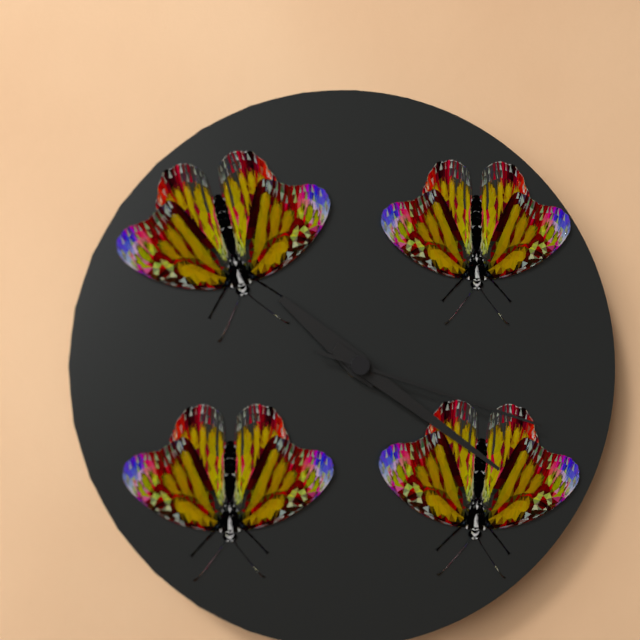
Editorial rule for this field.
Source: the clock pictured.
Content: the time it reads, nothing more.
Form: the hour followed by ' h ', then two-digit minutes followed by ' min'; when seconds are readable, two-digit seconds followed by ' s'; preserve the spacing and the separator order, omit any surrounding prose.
10 h 21 min 18 s
